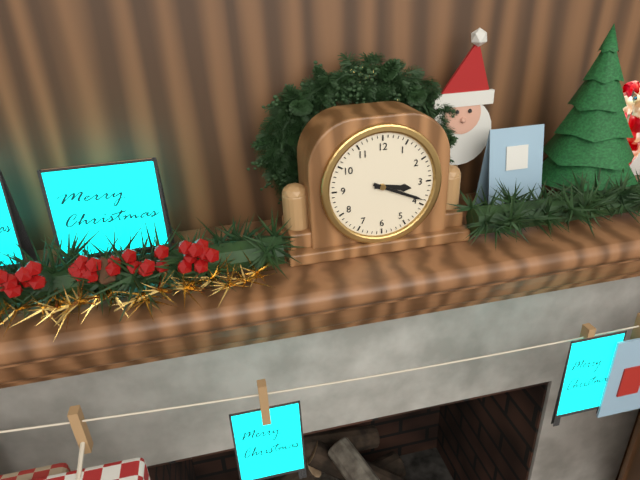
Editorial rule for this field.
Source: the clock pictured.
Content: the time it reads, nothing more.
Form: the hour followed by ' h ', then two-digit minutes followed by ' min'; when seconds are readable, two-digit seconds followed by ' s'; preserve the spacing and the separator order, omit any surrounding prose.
3 h 19 min
